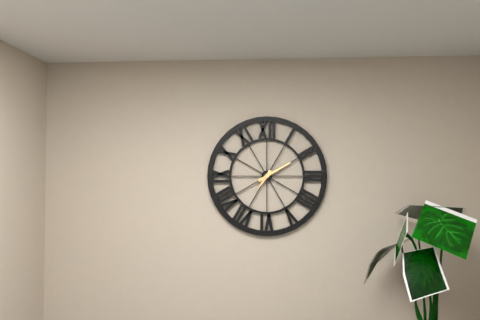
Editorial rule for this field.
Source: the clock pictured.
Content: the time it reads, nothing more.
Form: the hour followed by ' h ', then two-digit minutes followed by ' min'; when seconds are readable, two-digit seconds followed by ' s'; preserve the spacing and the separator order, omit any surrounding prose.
7 h 10 min
